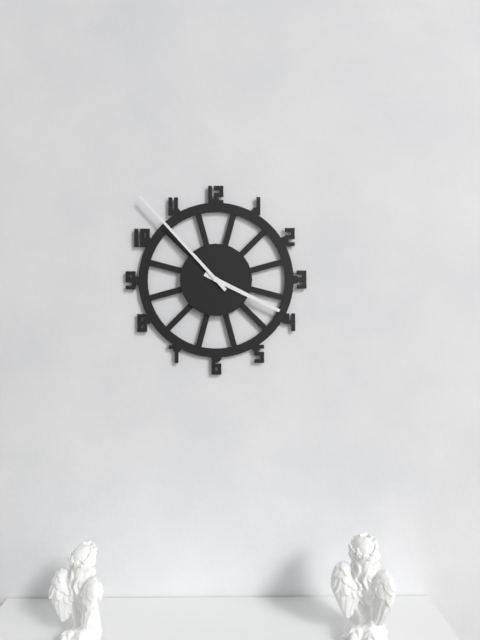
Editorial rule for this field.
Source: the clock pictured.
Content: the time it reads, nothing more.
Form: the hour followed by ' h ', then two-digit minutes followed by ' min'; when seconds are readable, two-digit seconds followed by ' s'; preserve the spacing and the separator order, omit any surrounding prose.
3 h 53 min
